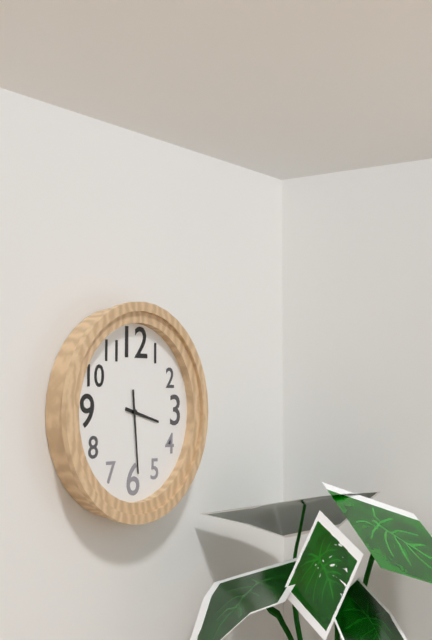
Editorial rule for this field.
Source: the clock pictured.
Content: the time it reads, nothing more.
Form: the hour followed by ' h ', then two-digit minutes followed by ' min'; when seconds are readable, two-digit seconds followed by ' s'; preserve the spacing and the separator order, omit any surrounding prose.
3 h 29 min
